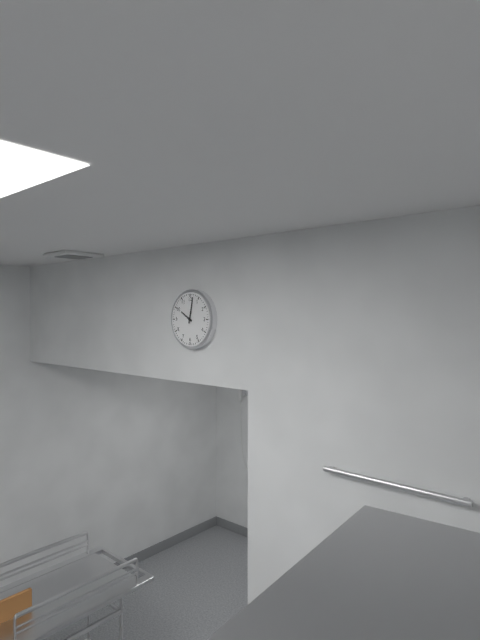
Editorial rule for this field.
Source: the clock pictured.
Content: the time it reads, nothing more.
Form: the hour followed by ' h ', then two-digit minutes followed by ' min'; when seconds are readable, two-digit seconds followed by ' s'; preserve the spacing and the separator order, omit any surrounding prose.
10 h 02 min
